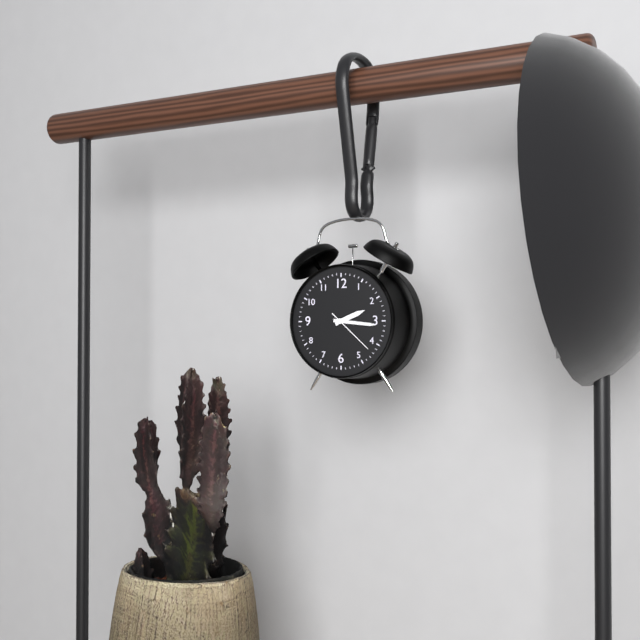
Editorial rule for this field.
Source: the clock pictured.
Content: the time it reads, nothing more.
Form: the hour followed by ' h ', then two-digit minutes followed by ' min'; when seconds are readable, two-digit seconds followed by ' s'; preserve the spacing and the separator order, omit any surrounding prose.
2 h 16 min
